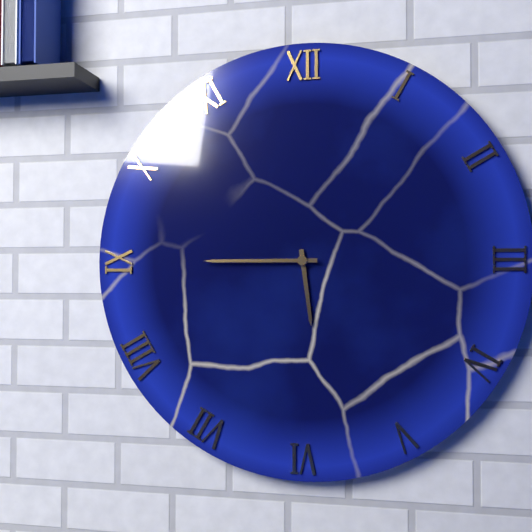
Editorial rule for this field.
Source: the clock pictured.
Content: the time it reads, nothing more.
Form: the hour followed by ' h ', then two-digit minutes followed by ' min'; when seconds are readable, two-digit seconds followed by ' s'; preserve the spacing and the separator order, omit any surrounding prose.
5 h 45 min
